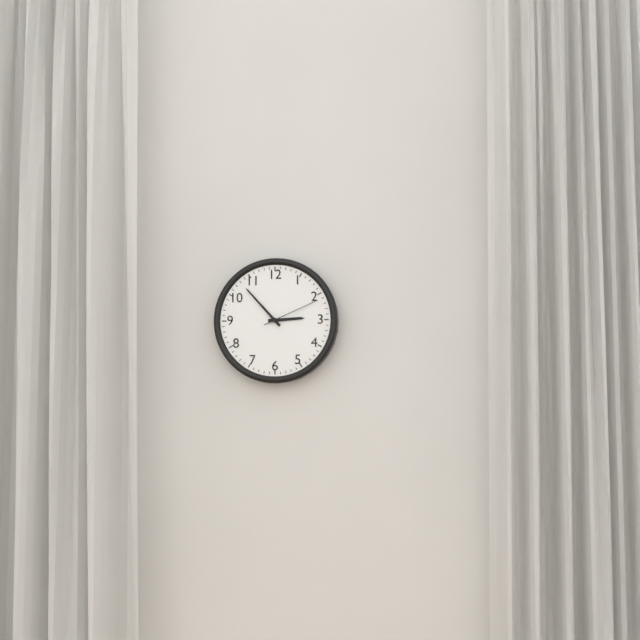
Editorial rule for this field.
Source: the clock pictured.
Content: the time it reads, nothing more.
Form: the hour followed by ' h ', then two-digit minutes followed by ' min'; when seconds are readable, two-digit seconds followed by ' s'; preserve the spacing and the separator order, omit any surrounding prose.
2 h 53 min 11 s
